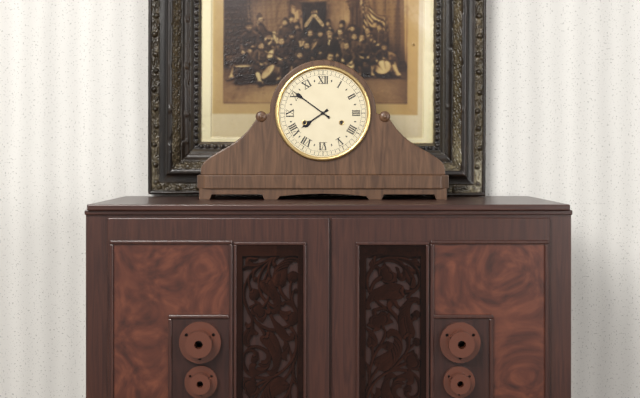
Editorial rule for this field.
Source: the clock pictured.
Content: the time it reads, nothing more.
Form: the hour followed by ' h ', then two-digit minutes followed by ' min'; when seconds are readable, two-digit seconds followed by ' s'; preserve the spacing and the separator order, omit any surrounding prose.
7 h 51 min
